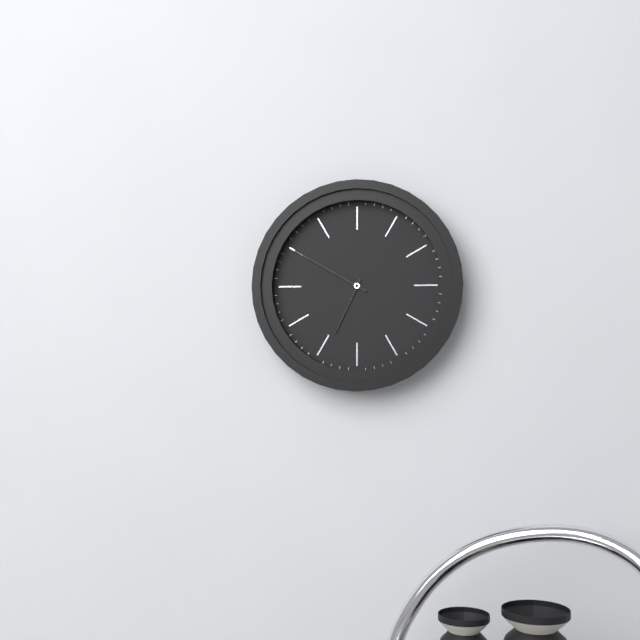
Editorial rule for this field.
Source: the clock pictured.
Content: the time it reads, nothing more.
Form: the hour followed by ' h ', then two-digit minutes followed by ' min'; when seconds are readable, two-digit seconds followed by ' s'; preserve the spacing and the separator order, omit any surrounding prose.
6 h 50 min
